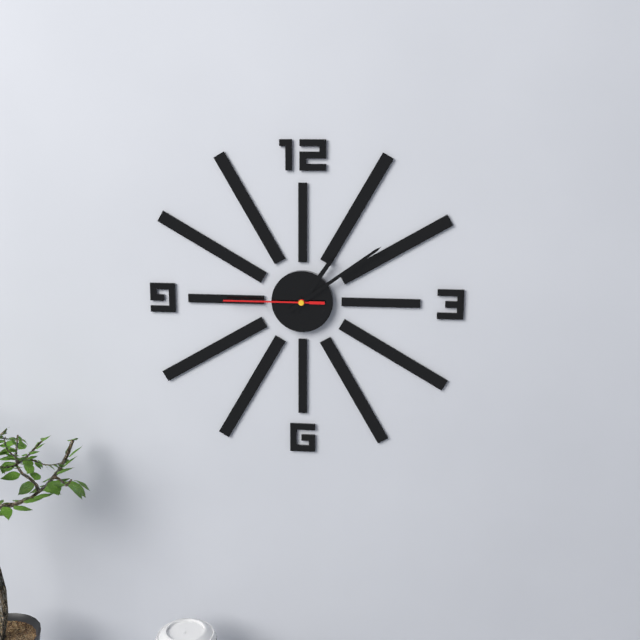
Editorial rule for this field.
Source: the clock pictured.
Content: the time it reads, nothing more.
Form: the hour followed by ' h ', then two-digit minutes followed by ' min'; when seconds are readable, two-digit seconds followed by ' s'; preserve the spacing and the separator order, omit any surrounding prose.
1 h 09 min 45 s
